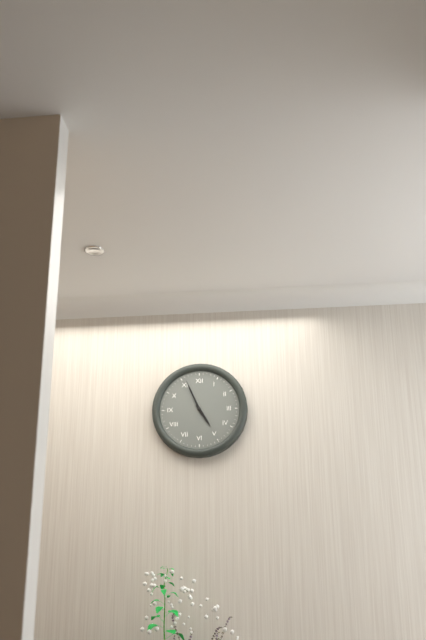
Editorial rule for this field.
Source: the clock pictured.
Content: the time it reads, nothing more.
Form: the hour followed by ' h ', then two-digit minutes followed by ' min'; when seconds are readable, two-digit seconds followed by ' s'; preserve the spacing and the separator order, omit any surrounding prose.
4 h 56 min
